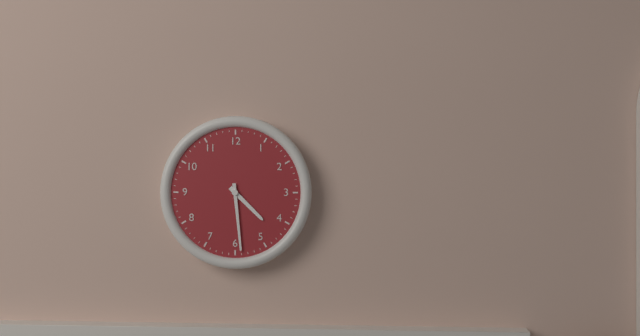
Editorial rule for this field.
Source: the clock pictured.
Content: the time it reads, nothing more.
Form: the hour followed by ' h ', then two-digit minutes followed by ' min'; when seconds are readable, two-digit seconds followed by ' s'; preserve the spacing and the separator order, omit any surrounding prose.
4 h 29 min
